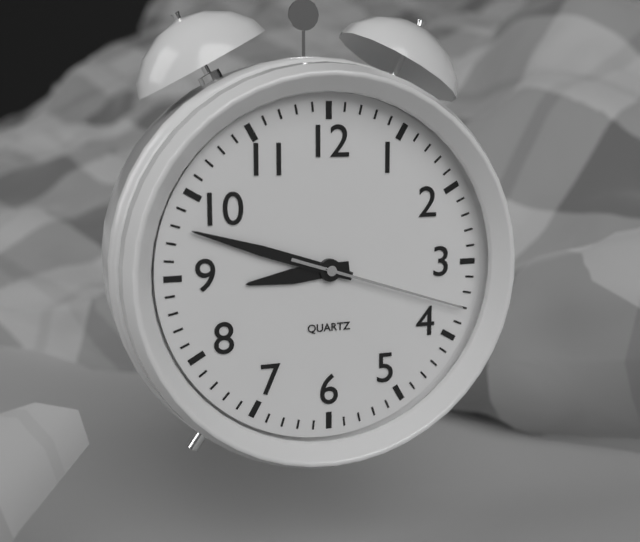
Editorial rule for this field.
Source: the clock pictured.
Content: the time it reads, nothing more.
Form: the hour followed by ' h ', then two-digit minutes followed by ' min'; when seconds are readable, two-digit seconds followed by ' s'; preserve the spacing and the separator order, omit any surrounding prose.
8 h 48 min 18 s
